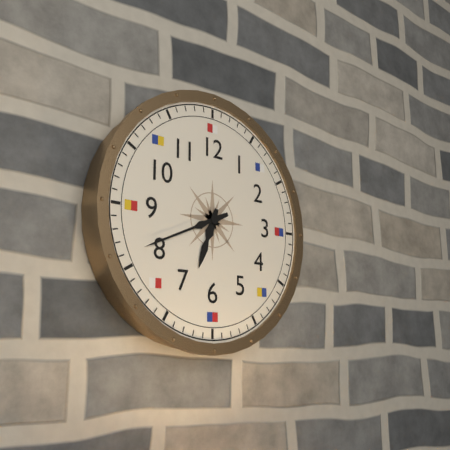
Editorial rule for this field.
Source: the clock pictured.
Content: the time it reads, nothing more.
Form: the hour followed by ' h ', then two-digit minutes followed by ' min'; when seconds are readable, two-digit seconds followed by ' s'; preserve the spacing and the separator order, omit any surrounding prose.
6 h 41 min
